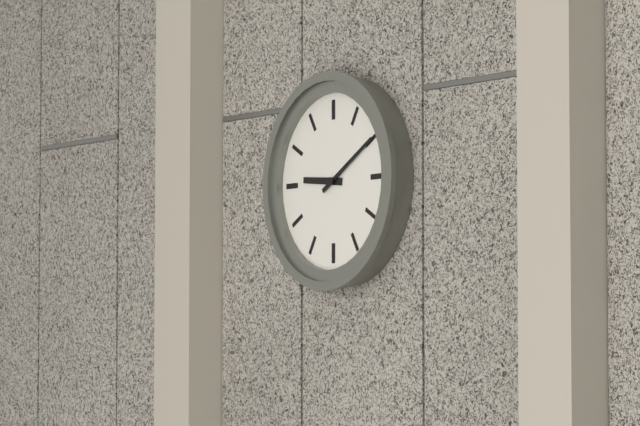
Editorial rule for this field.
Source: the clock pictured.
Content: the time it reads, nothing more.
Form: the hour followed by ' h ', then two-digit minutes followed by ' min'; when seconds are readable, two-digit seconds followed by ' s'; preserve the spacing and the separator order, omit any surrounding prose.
9 h 10 min
